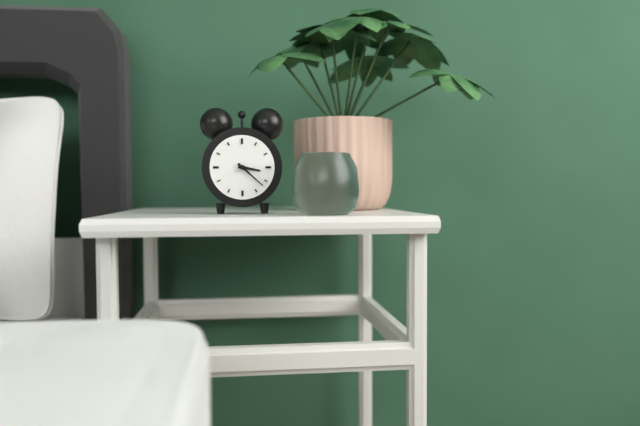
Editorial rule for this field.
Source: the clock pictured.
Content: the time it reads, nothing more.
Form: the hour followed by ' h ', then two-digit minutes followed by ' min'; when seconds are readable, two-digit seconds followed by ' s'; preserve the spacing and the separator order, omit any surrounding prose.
3 h 22 min
